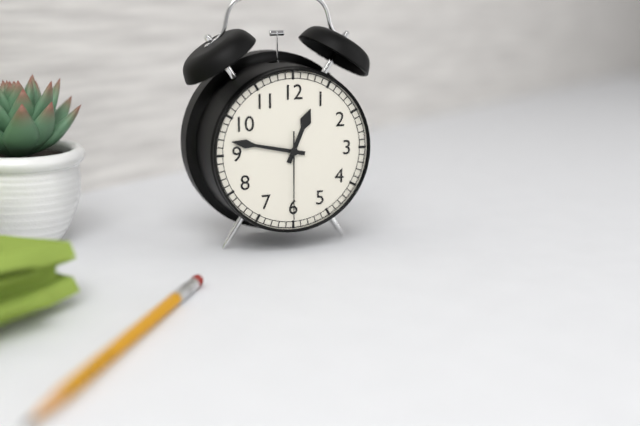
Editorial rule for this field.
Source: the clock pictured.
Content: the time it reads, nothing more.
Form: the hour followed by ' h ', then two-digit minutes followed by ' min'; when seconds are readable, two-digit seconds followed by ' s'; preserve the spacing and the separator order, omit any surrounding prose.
12 h 47 min 30 s
